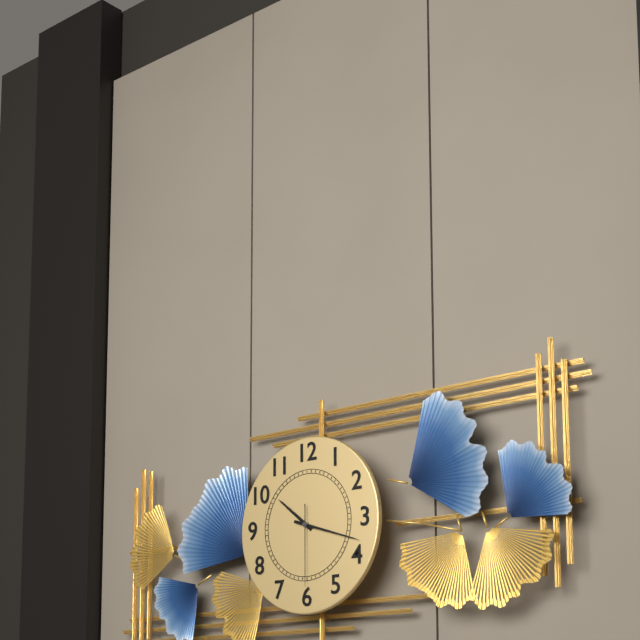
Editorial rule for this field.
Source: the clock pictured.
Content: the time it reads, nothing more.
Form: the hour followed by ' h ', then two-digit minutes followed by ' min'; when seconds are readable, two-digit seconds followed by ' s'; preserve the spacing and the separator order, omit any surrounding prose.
10 h 18 min 30 s
